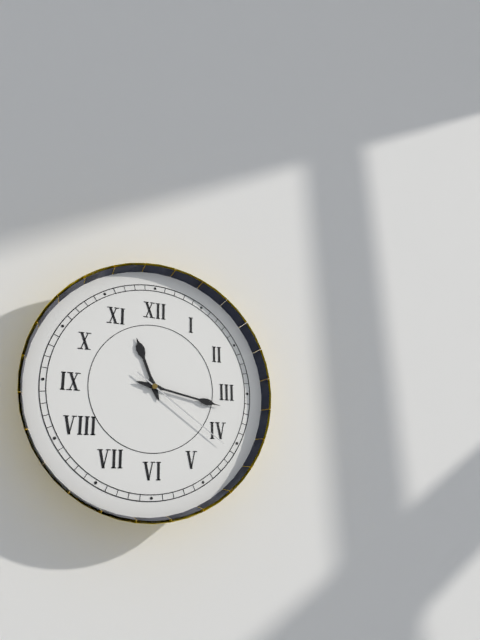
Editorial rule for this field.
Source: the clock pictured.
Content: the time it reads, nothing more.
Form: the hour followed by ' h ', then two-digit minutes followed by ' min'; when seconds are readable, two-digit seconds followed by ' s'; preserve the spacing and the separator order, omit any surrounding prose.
11 h 17 min 21 s
